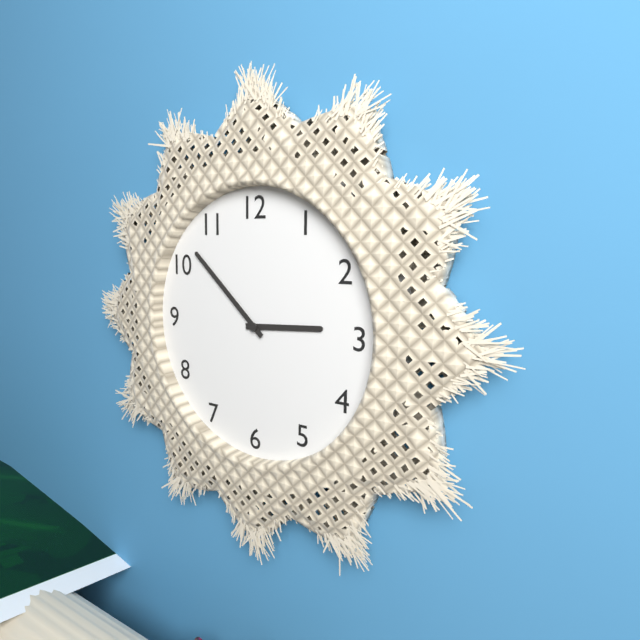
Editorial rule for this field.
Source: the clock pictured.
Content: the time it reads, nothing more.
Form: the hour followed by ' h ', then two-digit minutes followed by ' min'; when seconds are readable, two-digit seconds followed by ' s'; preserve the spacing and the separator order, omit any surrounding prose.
2 h 52 min
